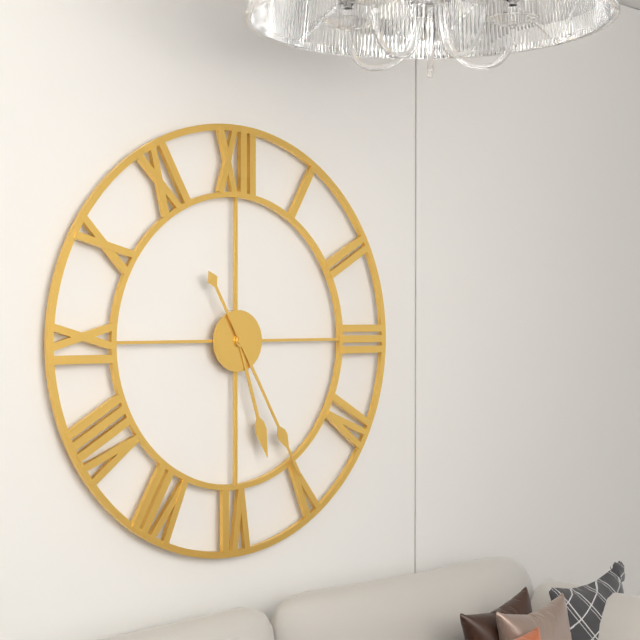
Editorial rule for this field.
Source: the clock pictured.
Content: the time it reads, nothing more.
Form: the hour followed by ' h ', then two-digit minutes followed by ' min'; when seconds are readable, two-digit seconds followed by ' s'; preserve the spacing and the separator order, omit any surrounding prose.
5 h 25 min
